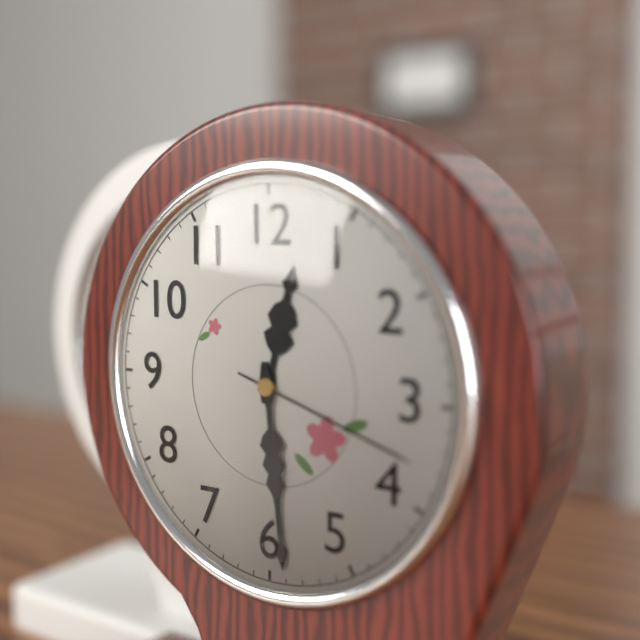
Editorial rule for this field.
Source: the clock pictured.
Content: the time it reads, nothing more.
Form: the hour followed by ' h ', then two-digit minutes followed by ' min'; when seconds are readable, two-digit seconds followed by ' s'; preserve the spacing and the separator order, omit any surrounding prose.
12 h 29 min 18 s
